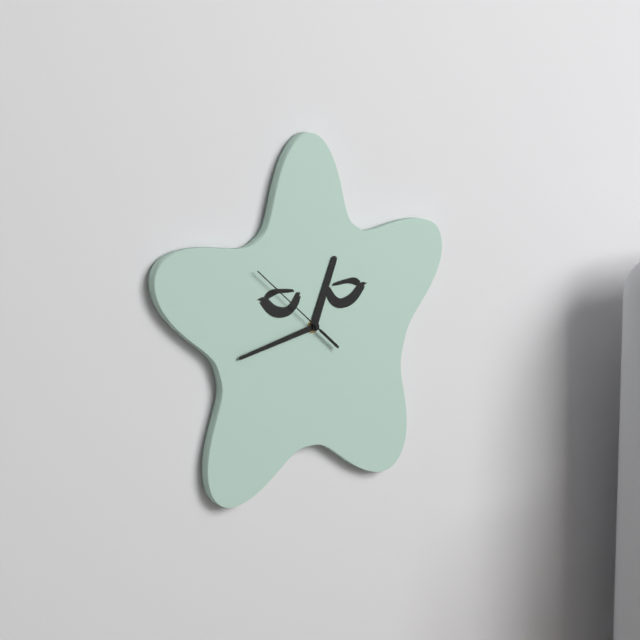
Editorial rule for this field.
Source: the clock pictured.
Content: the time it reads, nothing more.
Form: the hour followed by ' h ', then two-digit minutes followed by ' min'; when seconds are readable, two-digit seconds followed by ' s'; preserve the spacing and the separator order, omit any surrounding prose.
12 h 43 min 52 s
